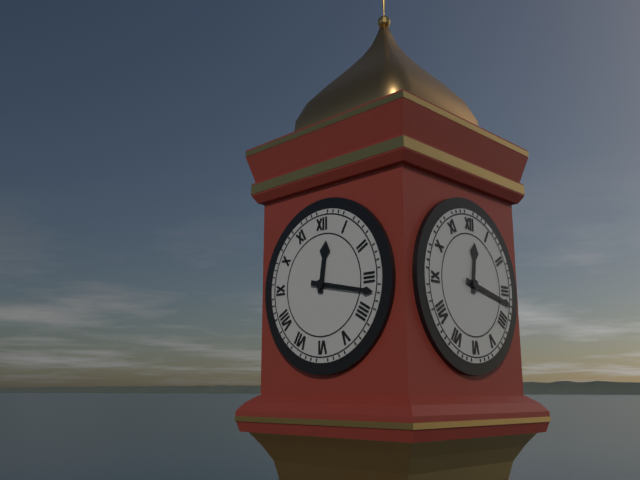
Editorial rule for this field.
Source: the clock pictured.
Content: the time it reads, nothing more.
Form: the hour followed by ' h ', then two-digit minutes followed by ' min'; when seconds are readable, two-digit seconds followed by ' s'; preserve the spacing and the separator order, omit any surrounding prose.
12 h 17 min
